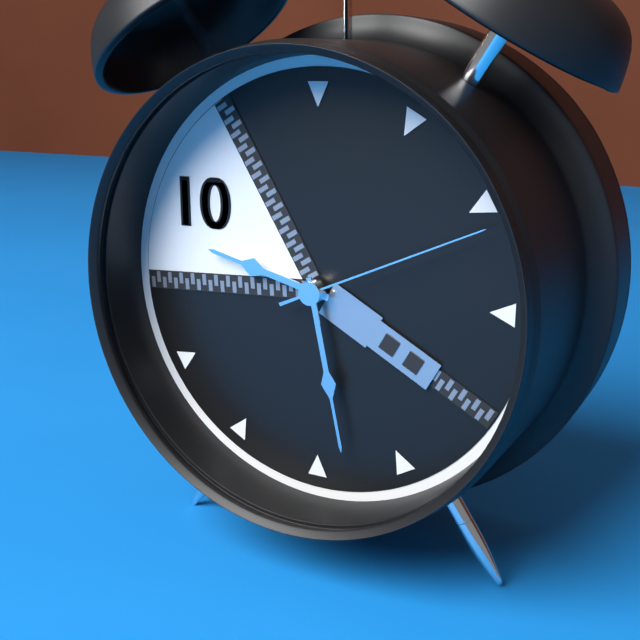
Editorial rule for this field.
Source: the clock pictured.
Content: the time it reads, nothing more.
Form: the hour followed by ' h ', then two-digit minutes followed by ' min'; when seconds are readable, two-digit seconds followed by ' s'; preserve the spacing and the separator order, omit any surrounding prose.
9 h 28 min 11 s
